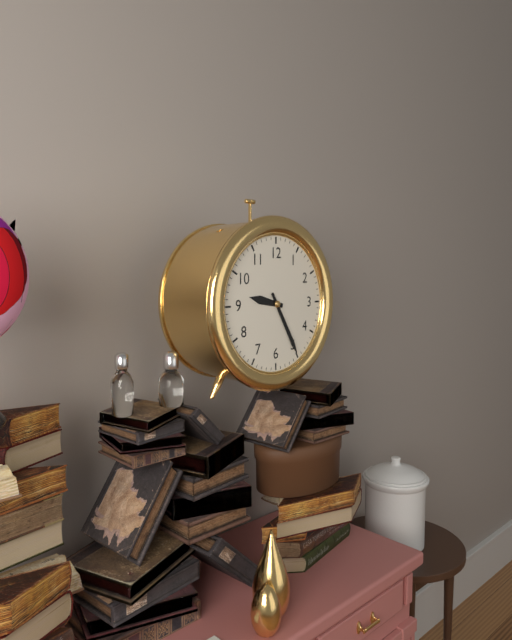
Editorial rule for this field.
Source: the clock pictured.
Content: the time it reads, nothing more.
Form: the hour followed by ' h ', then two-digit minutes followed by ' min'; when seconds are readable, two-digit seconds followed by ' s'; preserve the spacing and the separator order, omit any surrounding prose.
9 h 25 min
